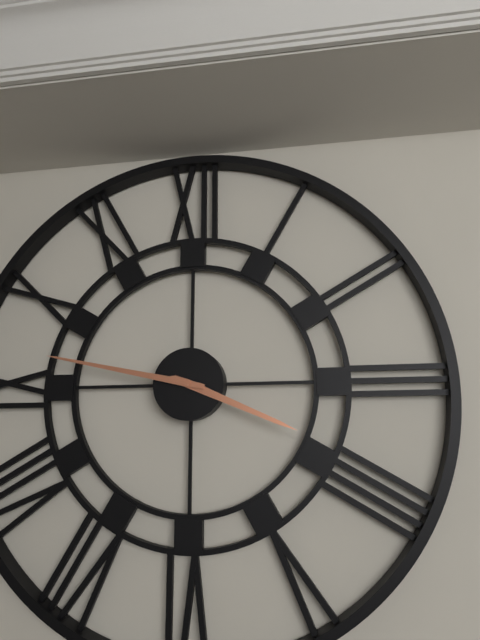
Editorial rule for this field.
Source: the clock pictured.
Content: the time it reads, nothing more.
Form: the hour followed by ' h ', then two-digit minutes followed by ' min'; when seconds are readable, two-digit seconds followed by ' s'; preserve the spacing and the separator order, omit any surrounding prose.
3 h 47 min
